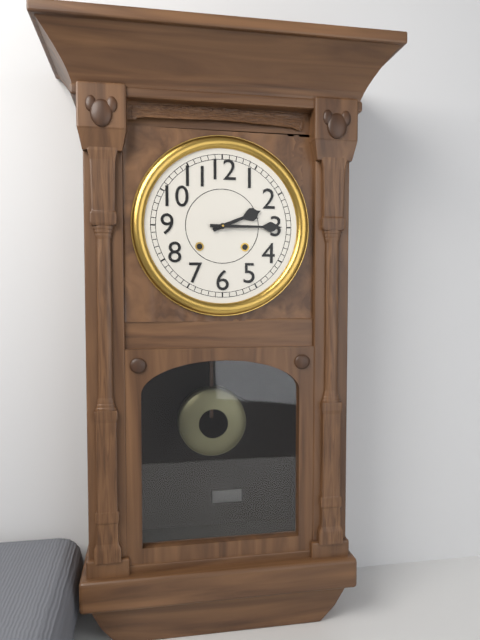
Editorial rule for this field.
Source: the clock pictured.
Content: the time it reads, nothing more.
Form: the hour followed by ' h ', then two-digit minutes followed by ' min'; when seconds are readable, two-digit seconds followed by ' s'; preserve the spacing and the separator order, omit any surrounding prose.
2 h 15 min
